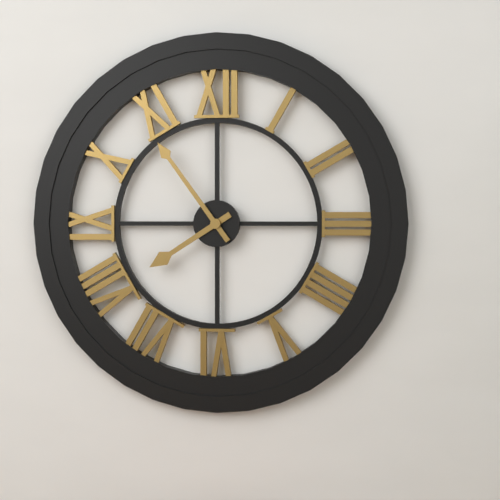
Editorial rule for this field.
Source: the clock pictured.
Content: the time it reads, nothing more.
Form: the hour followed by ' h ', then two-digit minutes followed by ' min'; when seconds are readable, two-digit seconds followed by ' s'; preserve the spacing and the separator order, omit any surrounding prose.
7 h 54 min
